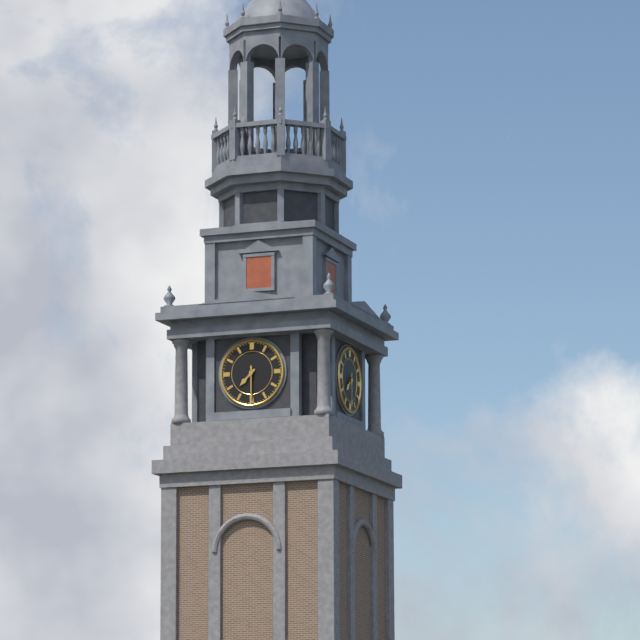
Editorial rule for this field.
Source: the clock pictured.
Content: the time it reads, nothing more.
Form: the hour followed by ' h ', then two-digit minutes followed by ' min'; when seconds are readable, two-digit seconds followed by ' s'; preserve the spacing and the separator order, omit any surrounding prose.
7 h 30 min
